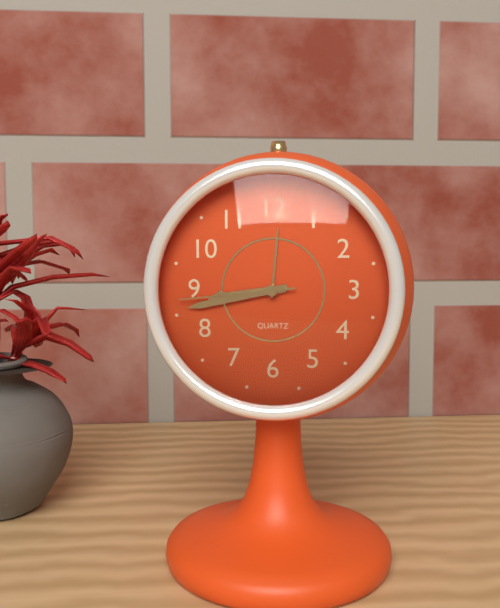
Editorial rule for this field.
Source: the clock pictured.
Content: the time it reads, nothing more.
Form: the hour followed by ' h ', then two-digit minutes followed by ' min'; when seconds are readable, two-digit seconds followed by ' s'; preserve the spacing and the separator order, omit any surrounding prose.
8 h 43 min 44 s
